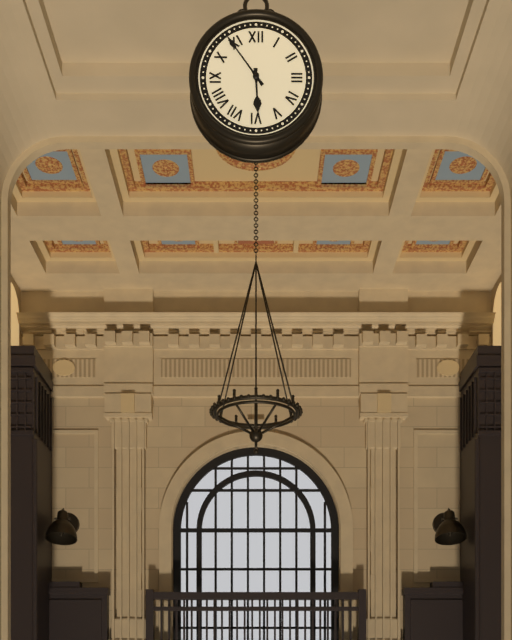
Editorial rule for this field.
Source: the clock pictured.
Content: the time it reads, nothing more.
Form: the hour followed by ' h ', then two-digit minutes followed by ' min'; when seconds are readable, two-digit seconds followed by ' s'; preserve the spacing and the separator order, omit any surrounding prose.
5 h 54 min
